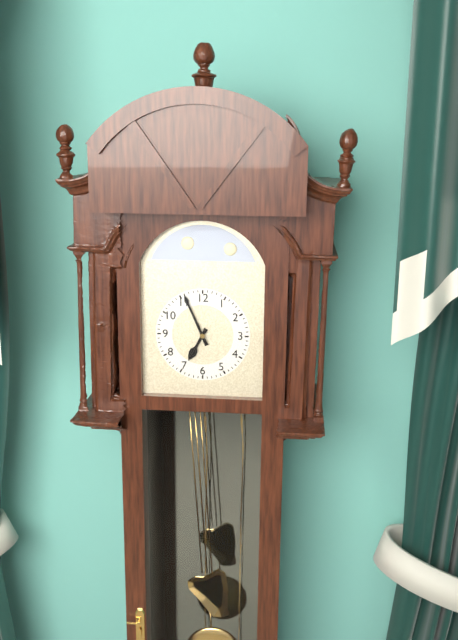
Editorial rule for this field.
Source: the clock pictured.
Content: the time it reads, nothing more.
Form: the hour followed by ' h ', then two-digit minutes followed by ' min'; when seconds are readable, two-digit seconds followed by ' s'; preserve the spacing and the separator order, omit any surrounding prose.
6 h 56 min
